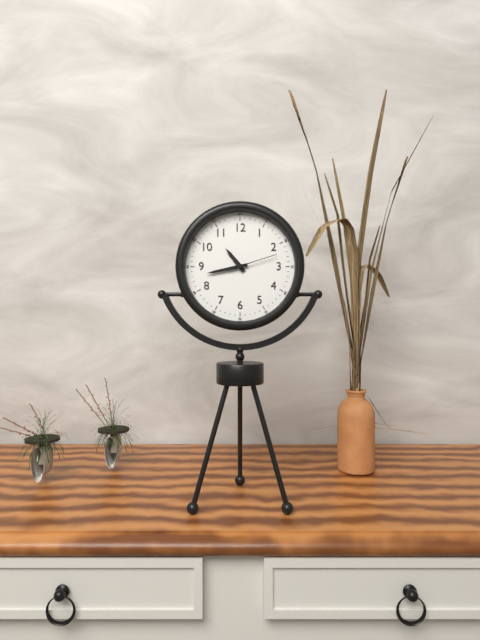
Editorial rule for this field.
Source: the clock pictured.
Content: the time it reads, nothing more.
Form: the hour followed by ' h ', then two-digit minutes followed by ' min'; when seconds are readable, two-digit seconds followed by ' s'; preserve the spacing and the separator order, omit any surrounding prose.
10 h 43 min
